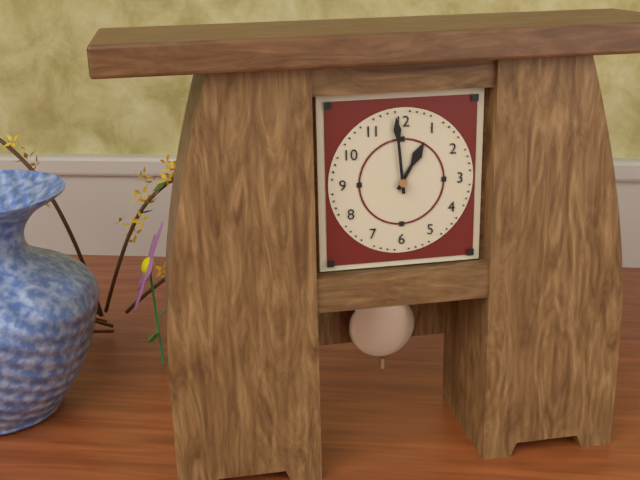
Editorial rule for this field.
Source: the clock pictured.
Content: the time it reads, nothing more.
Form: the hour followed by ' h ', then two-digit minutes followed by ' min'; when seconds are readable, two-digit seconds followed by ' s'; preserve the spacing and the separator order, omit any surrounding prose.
12 h 59 min
